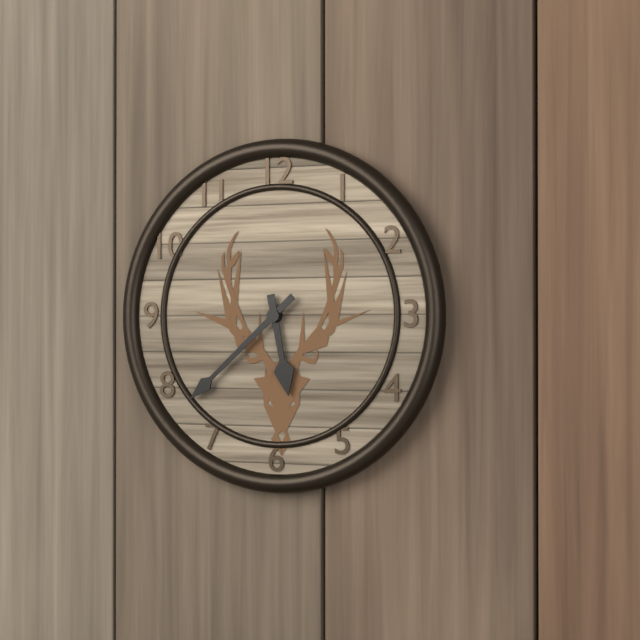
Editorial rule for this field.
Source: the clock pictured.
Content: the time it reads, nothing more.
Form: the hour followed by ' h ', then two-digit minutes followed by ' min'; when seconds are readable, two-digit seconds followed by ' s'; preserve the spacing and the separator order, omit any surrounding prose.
5 h 38 min
